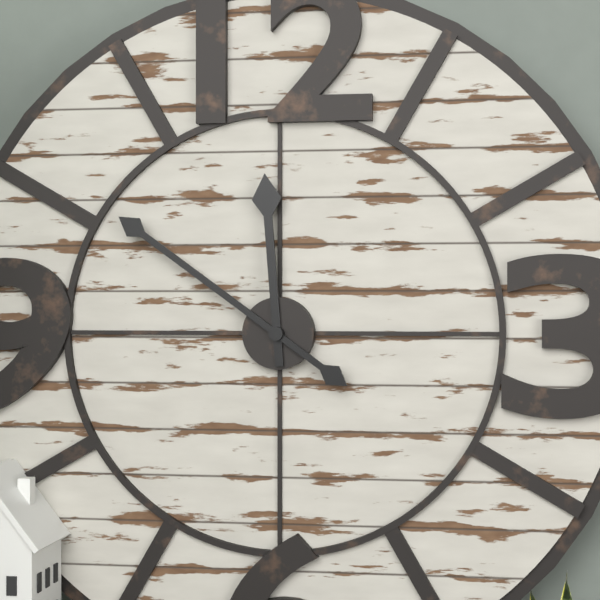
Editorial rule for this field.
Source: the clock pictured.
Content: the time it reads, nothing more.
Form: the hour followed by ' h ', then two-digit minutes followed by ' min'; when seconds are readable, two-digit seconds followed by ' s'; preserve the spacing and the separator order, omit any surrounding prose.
11 h 51 min
